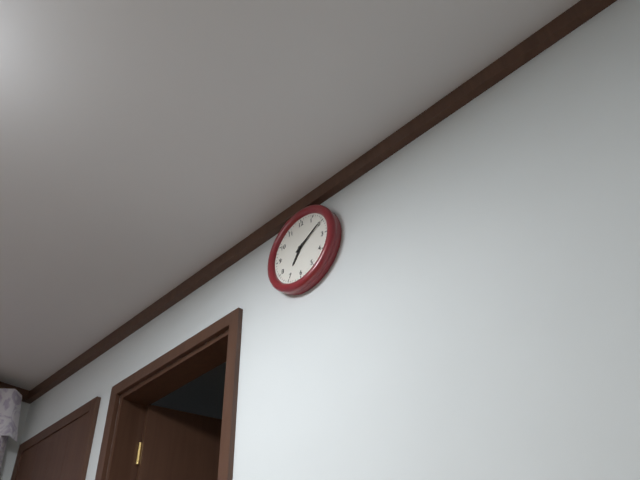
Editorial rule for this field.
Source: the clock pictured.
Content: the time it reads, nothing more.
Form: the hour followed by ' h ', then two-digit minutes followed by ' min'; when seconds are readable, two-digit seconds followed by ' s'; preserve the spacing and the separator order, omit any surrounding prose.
7 h 10 min
